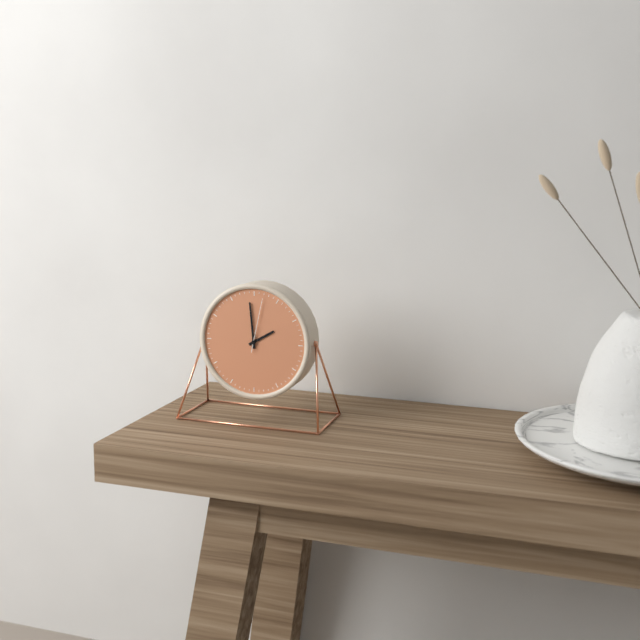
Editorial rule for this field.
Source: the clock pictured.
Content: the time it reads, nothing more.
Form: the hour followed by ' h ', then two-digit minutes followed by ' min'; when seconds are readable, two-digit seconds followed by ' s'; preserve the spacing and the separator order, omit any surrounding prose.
1 h 59 min 02 s
